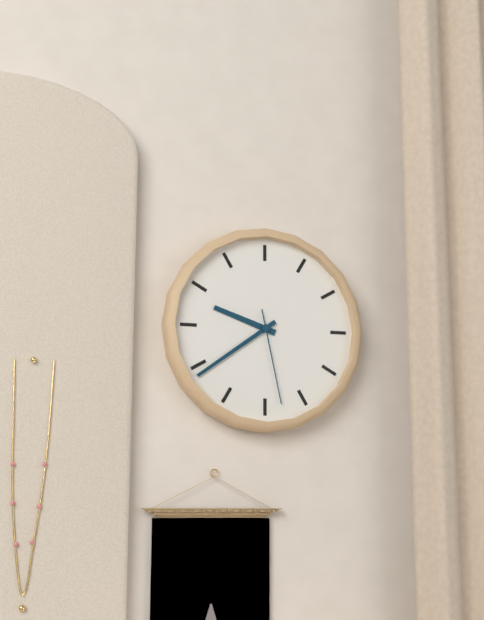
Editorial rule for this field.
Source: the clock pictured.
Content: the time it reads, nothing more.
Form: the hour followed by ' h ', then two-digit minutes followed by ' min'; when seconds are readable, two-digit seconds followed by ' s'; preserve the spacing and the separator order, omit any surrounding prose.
9 h 39 min 28 s
